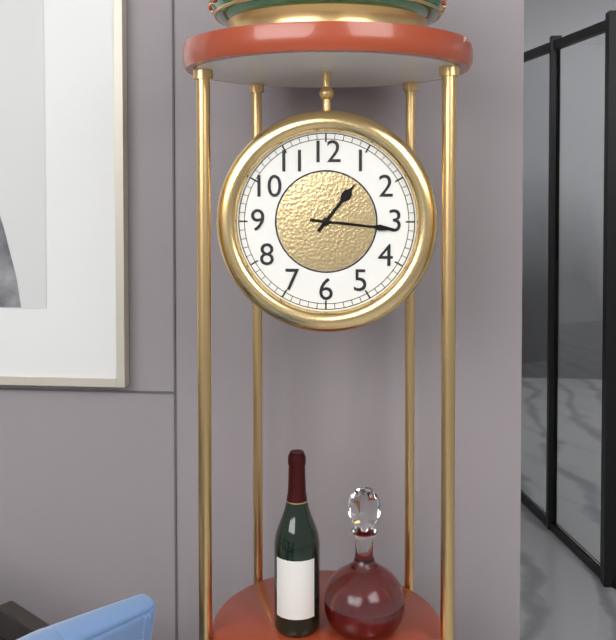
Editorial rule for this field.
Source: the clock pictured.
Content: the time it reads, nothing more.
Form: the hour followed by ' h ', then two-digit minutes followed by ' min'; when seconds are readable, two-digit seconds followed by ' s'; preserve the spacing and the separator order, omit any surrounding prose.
1 h 16 min
